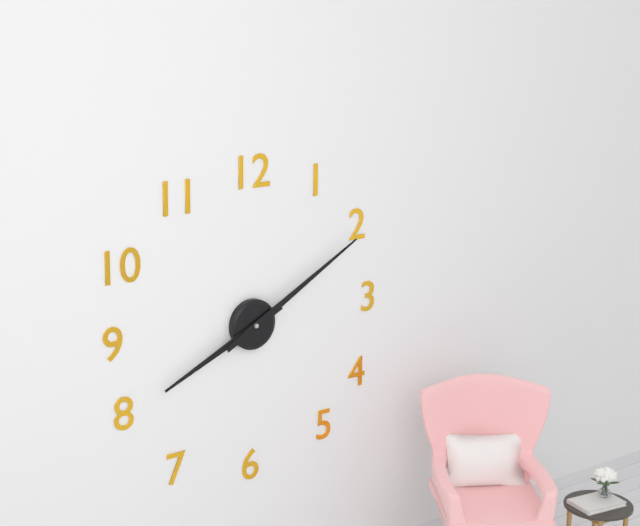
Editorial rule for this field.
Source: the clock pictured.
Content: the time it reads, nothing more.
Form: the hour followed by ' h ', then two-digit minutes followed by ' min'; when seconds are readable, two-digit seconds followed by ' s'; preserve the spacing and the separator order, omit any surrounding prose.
8 h 10 min
